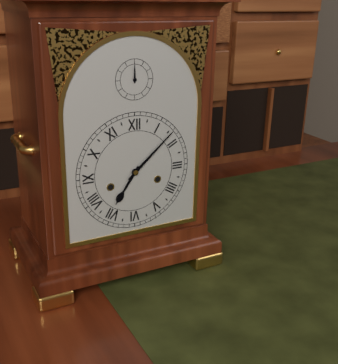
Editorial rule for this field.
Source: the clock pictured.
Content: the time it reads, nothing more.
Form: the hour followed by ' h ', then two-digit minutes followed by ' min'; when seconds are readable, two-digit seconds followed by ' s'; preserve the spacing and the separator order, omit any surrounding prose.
7 h 08 min
